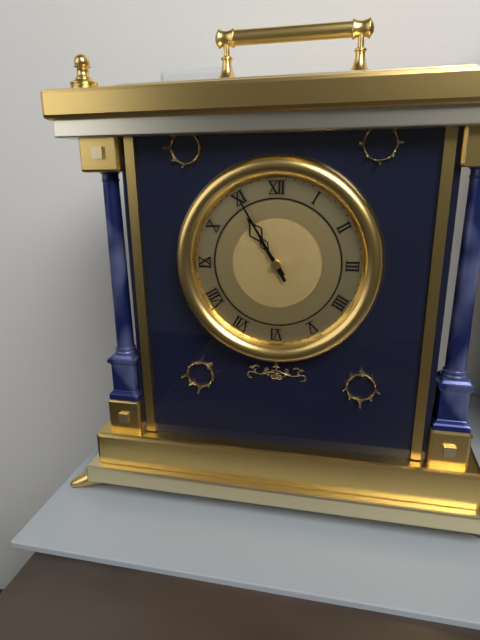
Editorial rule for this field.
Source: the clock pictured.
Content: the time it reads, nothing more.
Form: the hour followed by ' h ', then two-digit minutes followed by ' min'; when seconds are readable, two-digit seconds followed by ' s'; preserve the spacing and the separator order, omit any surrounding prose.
10 h 55 min
